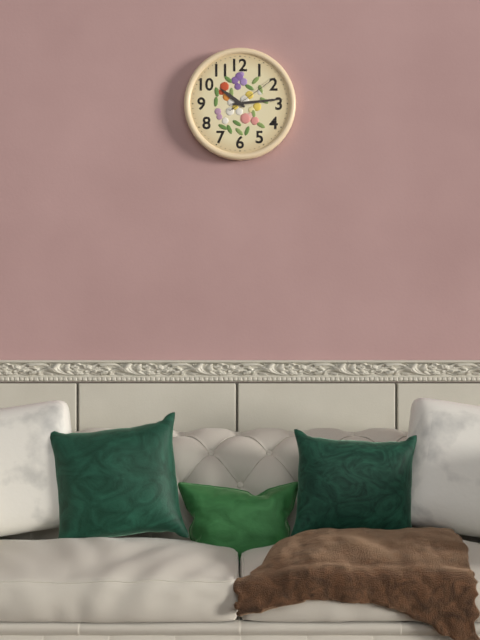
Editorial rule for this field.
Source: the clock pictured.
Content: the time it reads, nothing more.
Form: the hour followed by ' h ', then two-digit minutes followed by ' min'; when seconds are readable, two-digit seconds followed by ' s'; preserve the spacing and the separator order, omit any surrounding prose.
10 h 14 min 09 s
